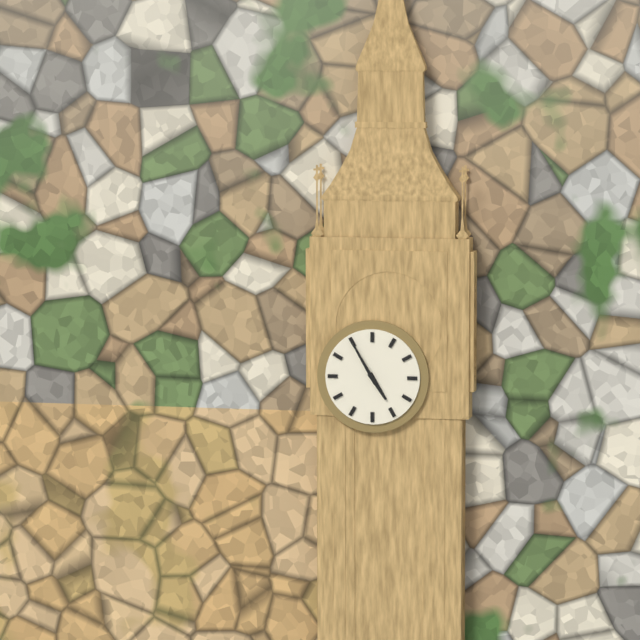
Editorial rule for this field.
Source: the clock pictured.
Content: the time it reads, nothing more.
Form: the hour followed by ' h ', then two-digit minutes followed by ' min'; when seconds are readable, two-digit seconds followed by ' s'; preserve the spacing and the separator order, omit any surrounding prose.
4 h 55 min
